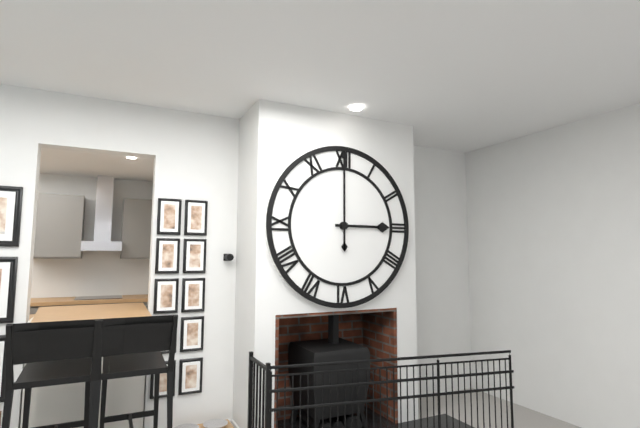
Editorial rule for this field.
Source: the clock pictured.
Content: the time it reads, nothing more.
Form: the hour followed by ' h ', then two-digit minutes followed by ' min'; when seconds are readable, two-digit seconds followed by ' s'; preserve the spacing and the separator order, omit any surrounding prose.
3 h 00 min
